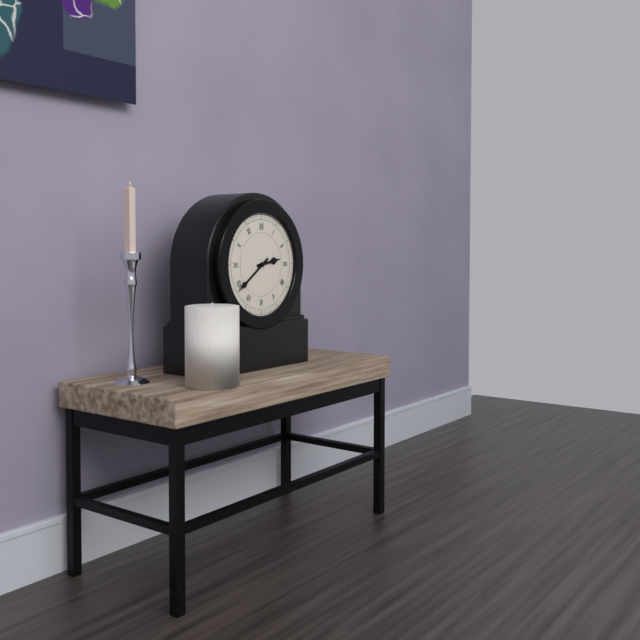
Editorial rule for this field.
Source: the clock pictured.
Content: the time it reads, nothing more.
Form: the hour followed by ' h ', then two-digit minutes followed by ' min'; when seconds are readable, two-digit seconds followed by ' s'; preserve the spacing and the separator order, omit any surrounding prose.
2 h 39 min
